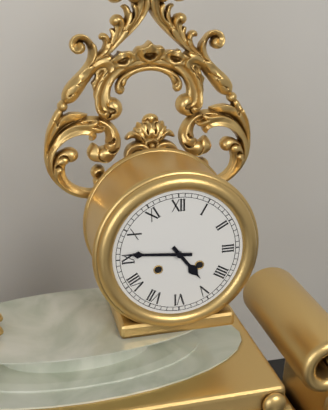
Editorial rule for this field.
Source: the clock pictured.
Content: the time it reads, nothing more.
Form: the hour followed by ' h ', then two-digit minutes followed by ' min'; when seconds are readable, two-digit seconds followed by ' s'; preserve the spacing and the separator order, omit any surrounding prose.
4 h 46 min
